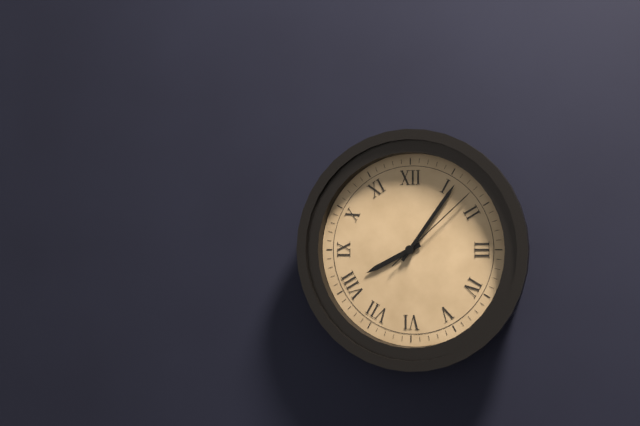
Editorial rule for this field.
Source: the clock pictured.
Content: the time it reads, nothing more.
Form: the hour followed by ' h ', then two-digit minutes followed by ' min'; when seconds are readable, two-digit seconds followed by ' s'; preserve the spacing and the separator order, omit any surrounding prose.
8 h 06 min 08 s
